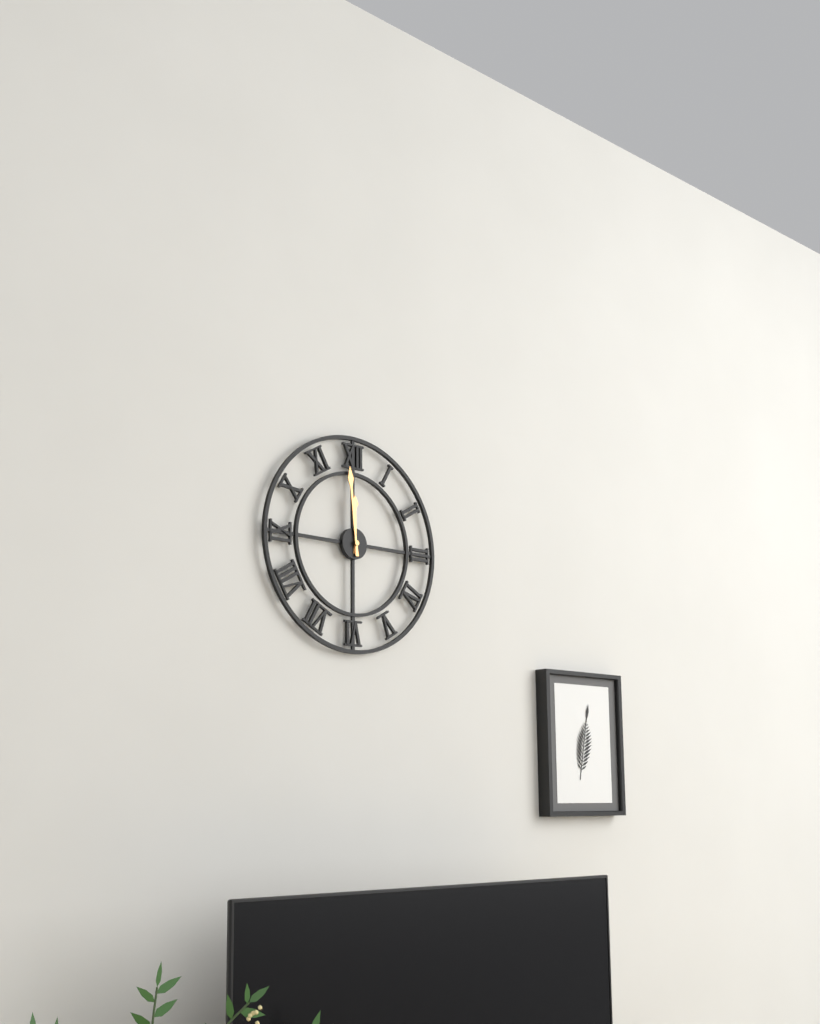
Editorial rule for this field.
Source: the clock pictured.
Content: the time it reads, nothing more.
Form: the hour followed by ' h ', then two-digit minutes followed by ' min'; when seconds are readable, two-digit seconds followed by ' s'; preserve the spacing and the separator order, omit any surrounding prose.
11 h 59 min
